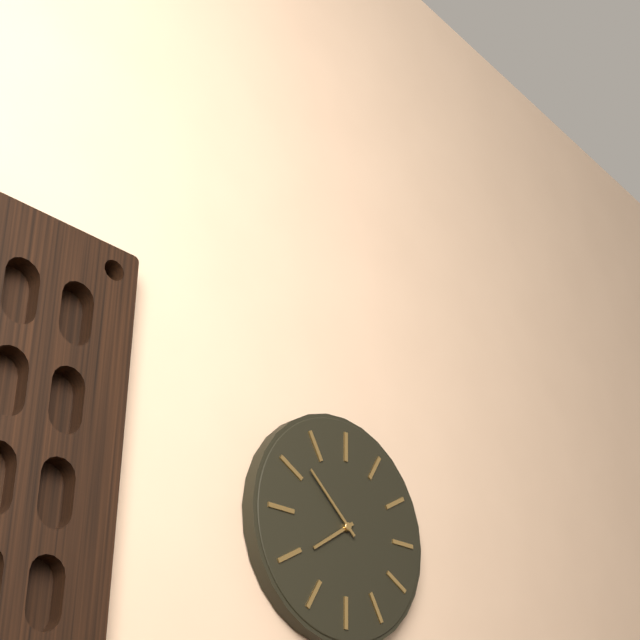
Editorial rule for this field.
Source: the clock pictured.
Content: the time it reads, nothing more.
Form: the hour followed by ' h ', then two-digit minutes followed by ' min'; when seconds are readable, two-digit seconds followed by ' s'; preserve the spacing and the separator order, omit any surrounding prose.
7 h 52 min
